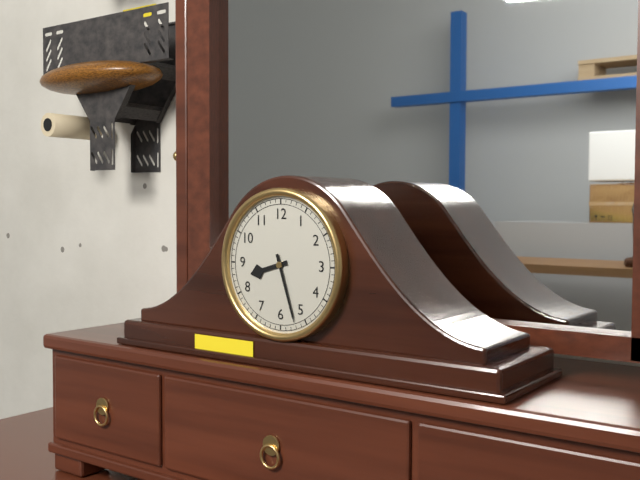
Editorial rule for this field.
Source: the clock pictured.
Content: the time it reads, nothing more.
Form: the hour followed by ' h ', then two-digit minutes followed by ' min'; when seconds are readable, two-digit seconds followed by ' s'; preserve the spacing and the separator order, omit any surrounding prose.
8 h 27 min
